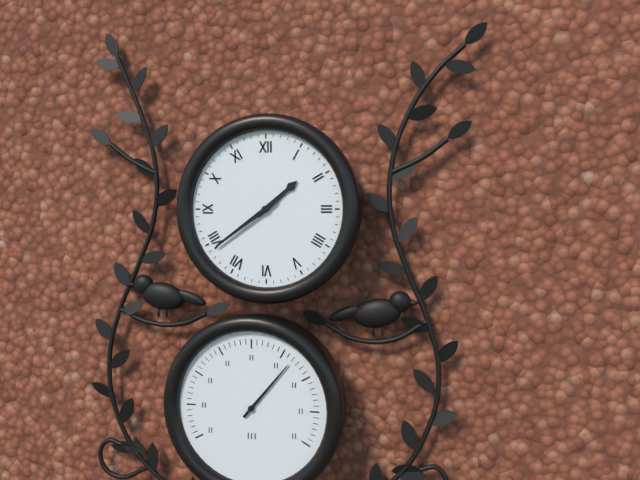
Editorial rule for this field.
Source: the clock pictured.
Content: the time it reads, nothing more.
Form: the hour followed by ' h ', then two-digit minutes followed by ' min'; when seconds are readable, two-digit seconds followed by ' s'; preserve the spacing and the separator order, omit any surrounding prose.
1 h 39 min
